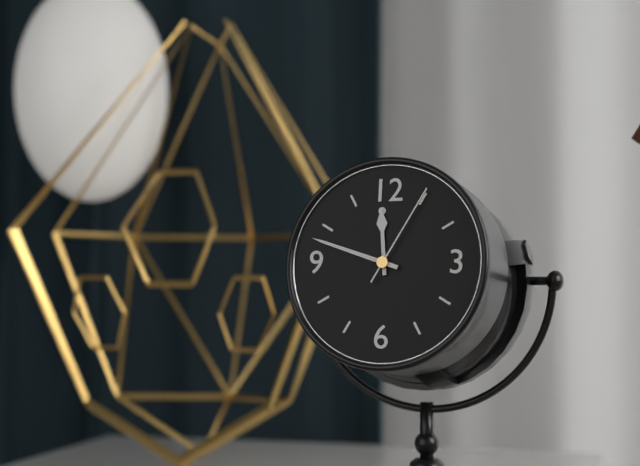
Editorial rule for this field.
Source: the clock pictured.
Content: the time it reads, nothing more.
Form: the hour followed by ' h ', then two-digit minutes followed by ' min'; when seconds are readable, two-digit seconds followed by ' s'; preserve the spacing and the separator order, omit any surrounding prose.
11 h 48 min 05 s
